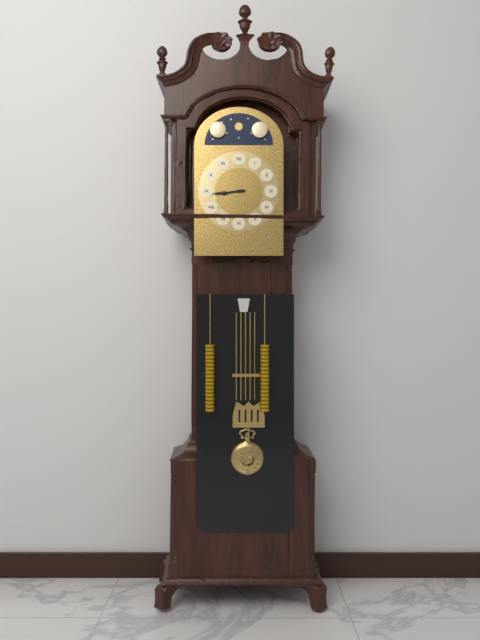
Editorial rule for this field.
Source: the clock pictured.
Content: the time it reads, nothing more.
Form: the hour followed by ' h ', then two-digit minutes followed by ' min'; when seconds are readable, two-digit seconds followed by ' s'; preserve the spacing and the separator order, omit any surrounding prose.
8 h 44 min
